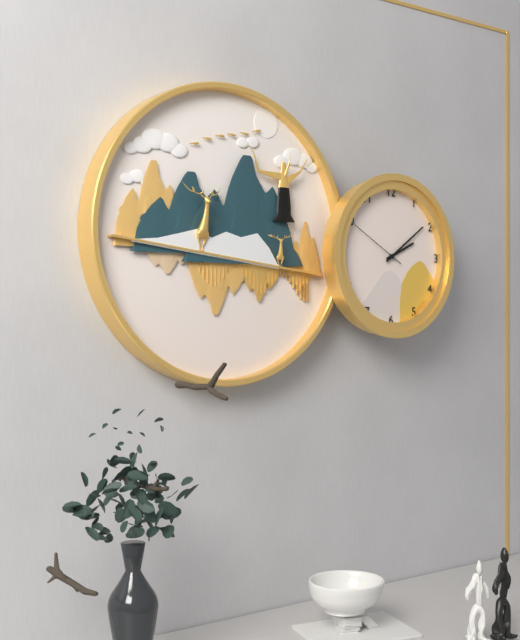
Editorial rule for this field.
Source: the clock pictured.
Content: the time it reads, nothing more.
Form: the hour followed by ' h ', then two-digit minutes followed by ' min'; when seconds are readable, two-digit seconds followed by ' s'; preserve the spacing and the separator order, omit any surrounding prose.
2 h 09 min 50 s
